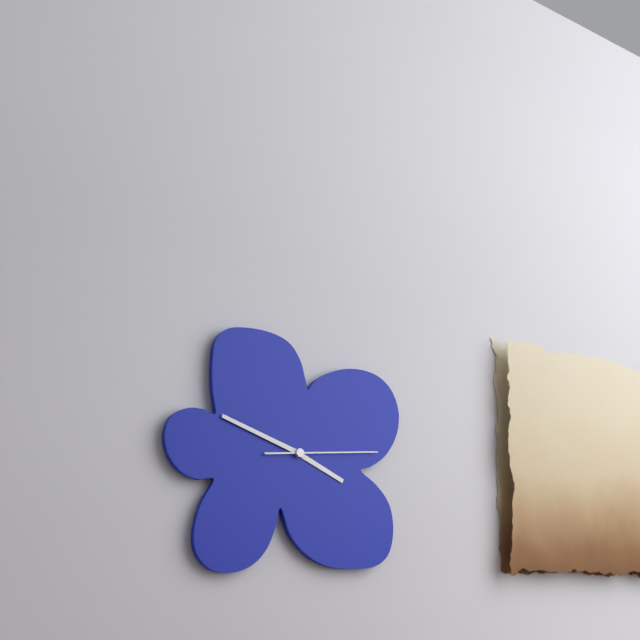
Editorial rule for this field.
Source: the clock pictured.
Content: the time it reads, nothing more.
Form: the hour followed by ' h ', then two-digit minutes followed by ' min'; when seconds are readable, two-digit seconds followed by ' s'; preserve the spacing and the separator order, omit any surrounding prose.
3 h 48 min 14 s
